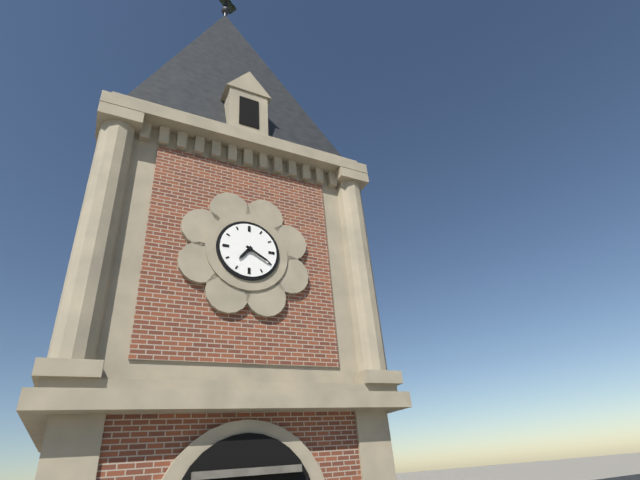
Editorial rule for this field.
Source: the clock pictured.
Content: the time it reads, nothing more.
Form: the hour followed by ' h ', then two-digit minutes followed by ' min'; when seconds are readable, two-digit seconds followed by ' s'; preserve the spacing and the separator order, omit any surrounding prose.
7 h 20 min
